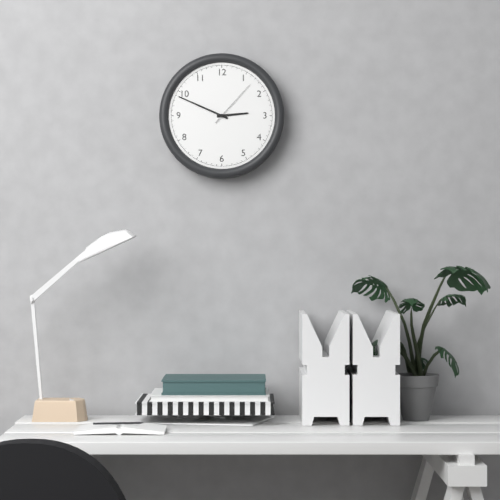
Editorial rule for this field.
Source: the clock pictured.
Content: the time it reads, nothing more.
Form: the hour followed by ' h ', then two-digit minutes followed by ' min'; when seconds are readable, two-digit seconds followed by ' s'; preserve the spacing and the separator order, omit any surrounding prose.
2 h 49 min 07 s
